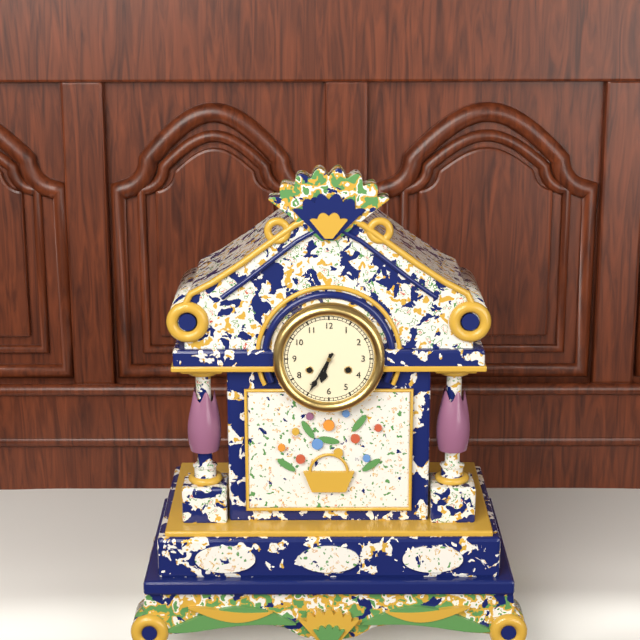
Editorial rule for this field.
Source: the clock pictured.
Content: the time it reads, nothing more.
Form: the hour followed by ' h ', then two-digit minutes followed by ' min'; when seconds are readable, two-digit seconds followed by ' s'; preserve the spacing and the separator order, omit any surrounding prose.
6 h 35 min
